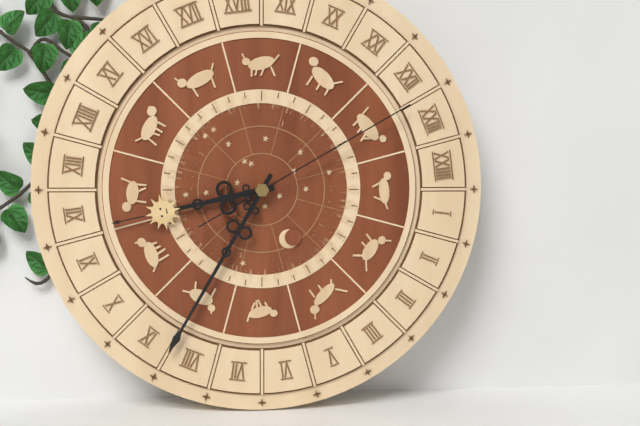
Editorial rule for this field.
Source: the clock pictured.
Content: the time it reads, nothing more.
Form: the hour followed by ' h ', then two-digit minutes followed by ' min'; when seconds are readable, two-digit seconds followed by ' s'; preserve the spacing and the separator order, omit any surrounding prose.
8 h 35 min 10 s
